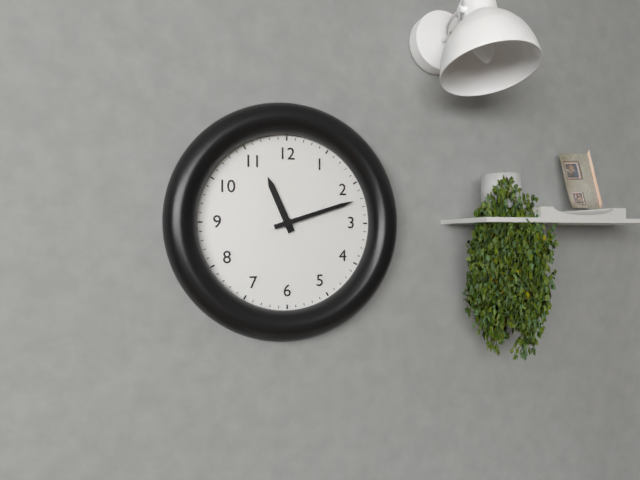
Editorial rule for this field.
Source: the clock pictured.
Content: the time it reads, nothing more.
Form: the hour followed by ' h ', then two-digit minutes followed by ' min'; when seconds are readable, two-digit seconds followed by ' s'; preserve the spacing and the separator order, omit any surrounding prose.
11 h 12 min
